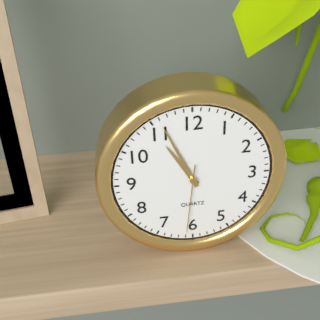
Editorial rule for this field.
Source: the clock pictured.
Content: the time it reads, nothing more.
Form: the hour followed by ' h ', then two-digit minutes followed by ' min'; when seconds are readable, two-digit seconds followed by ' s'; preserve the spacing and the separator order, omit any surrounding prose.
10 h 56 min 31 s
